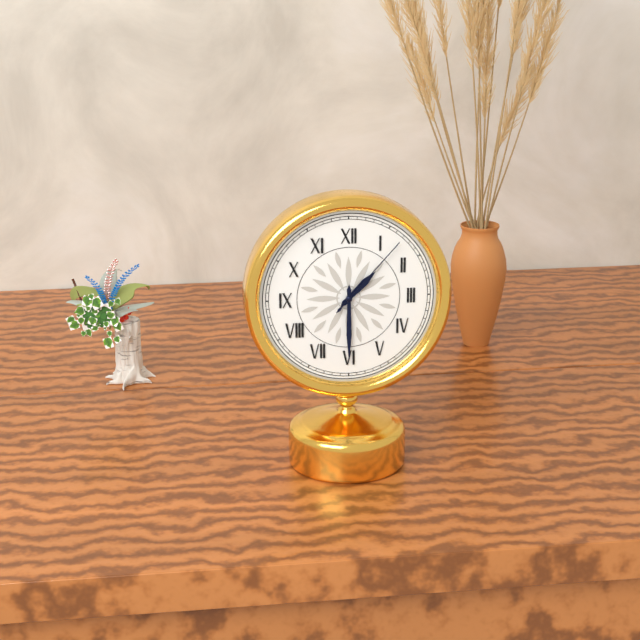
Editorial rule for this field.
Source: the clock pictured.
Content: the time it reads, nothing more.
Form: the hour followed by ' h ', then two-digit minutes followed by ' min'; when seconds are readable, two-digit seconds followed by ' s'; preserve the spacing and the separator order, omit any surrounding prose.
1 h 30 min 07 s
